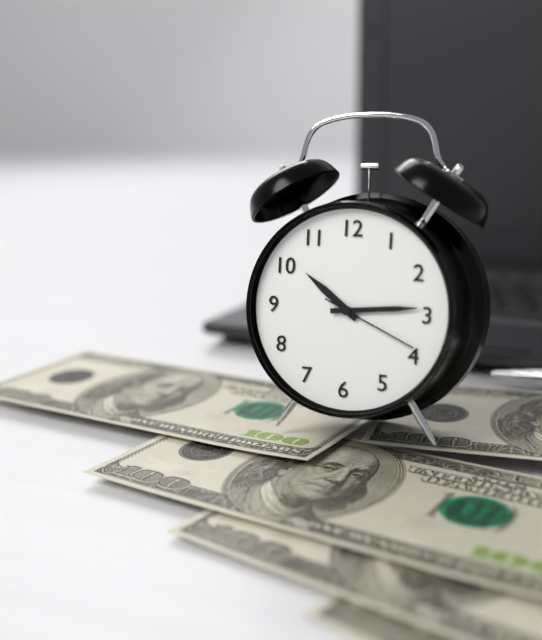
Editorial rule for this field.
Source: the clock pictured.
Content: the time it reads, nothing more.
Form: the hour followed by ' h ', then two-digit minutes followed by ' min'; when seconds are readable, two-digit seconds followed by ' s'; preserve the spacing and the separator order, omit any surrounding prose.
10 h 14 min 19 s
